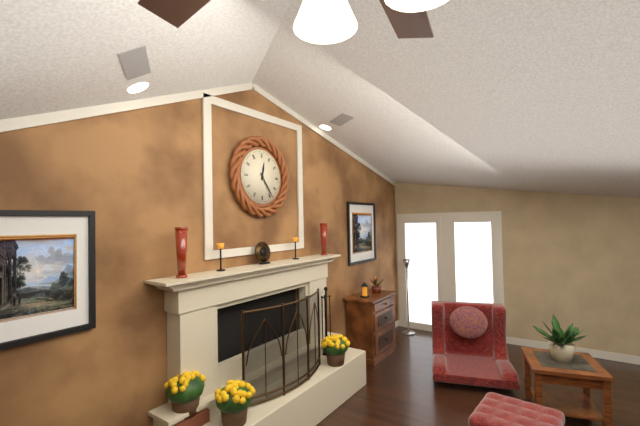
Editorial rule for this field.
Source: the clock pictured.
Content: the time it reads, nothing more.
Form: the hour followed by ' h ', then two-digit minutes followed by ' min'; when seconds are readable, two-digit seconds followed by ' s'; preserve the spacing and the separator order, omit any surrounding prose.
12 h 24 min
